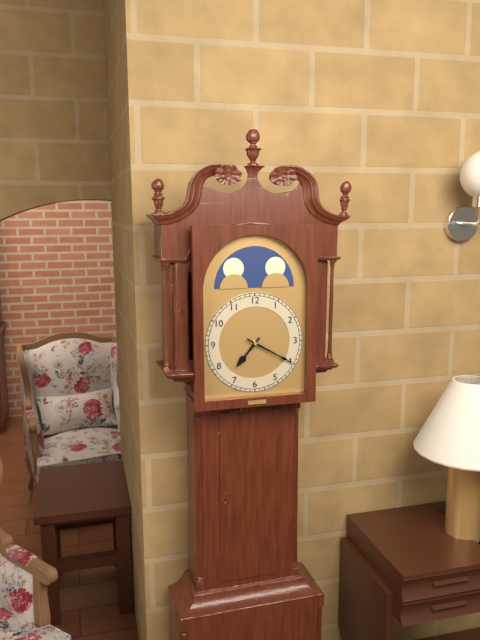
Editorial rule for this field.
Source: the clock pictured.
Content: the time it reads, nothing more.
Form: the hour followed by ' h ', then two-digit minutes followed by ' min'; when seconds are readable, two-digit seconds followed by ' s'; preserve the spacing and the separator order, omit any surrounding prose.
7 h 20 min
